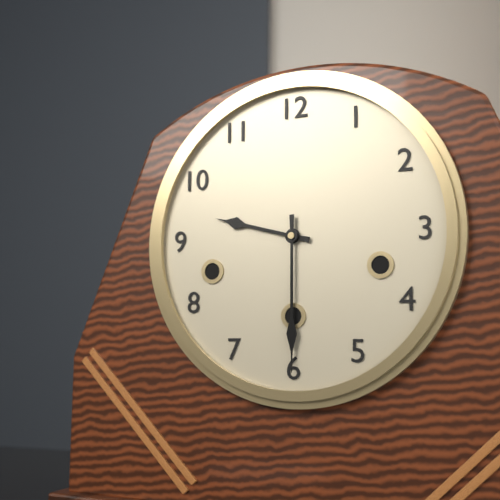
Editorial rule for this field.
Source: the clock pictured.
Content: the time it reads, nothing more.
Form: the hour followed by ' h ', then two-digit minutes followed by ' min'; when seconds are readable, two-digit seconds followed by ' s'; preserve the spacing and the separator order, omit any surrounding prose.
9 h 30 min
